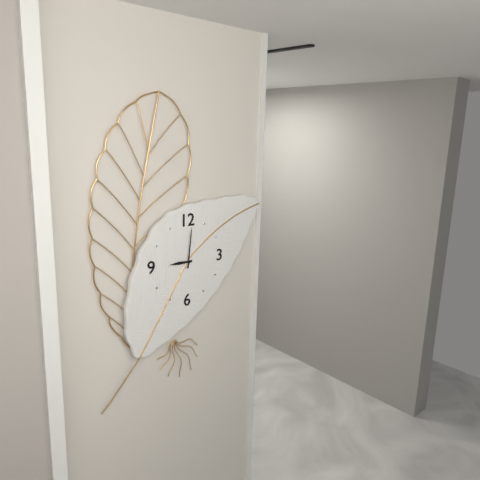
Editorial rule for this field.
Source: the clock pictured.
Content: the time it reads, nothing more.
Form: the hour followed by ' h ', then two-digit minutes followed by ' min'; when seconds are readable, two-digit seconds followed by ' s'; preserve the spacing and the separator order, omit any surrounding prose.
9 h 01 min
